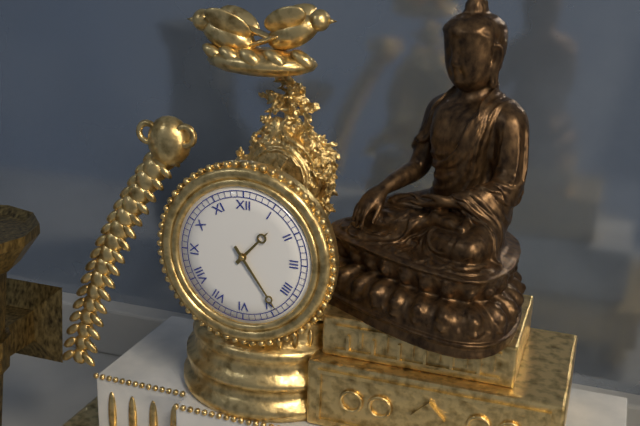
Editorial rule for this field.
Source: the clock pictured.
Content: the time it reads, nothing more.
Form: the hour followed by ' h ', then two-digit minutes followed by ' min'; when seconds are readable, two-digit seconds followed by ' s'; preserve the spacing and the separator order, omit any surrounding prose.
1 h 24 min
